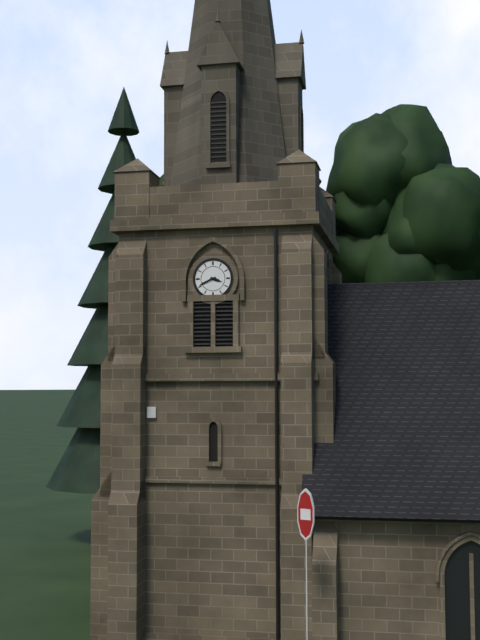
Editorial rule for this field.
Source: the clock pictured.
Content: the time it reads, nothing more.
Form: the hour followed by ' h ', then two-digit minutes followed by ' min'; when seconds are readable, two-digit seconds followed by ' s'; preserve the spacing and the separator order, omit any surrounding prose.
3 h 41 min
